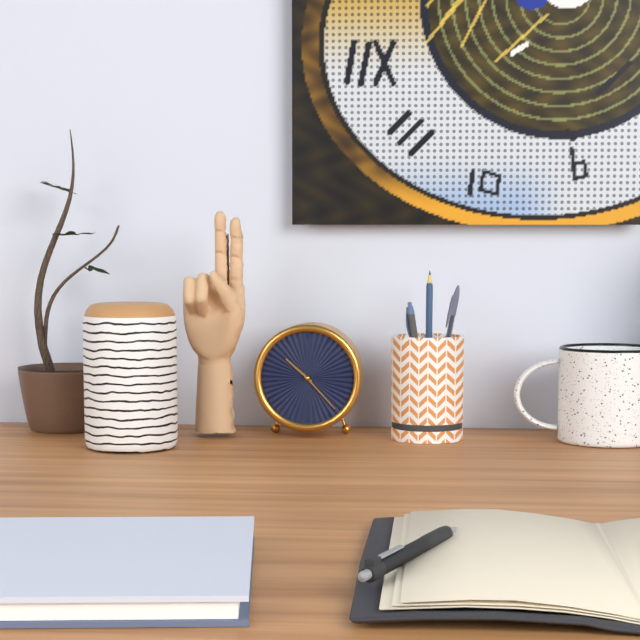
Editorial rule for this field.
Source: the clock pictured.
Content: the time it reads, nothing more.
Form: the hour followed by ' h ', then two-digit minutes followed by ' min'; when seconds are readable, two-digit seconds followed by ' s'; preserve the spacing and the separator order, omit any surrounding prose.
10 h 23 min
